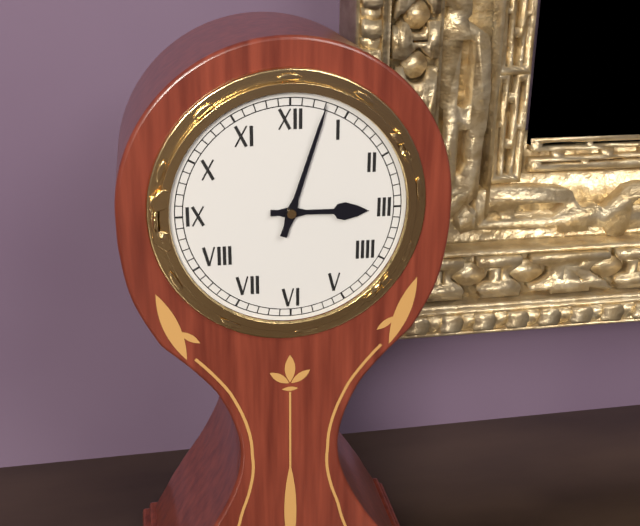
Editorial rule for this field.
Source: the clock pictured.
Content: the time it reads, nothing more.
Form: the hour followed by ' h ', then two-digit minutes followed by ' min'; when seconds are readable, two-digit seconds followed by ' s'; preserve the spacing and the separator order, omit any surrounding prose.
3 h 03 min
